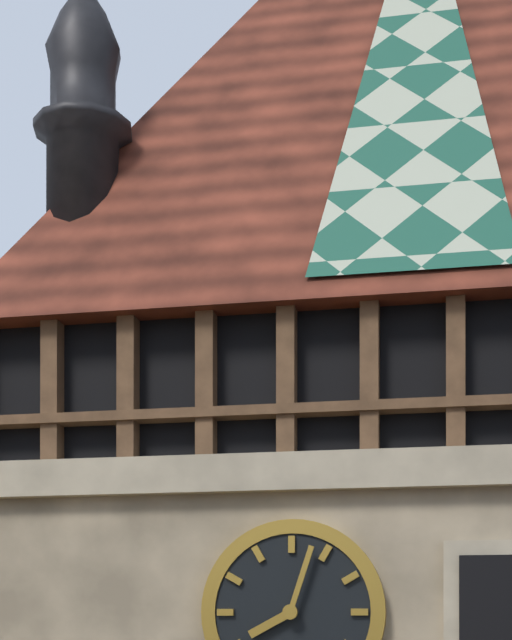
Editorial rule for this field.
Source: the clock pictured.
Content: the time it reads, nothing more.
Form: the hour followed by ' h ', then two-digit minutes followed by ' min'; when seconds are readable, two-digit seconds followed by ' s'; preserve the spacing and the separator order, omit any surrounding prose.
8 h 03 min
